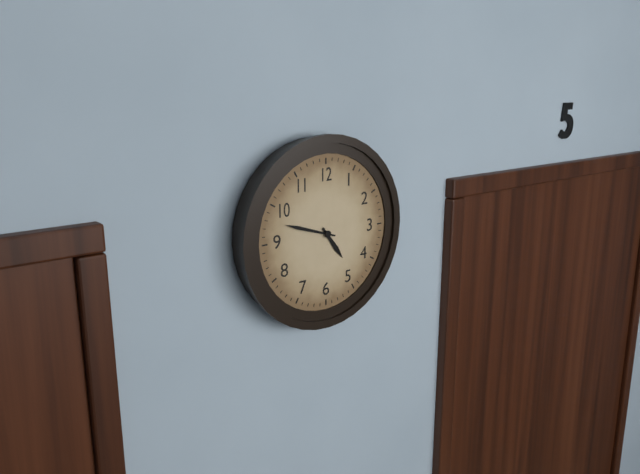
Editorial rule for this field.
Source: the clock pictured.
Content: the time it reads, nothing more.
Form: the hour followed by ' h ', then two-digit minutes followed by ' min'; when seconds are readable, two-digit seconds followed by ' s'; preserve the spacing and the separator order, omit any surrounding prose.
4 h 48 min
